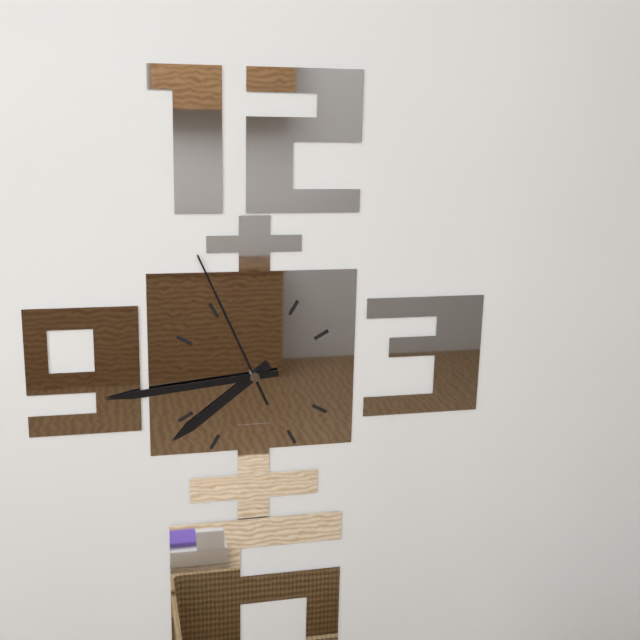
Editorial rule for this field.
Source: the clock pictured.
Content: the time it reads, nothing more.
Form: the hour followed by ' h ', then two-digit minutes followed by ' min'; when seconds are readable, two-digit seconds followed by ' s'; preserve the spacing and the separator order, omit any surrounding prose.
7 h 44 min 56 s
